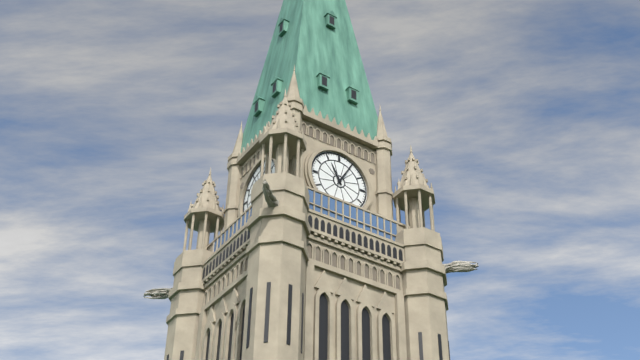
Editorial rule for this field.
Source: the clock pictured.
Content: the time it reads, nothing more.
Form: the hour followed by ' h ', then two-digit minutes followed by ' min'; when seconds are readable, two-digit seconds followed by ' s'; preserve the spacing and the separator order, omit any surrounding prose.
11 h 05 min
